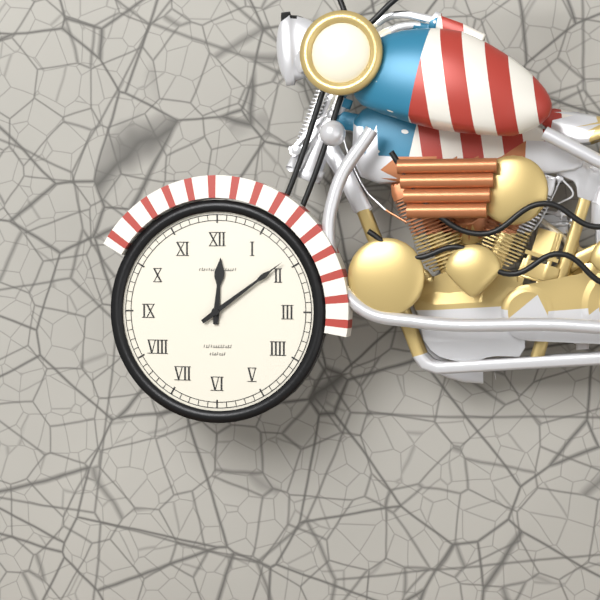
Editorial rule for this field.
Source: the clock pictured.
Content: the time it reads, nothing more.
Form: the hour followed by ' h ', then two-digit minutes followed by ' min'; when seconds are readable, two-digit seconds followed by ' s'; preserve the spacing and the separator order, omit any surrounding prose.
12 h 09 min
